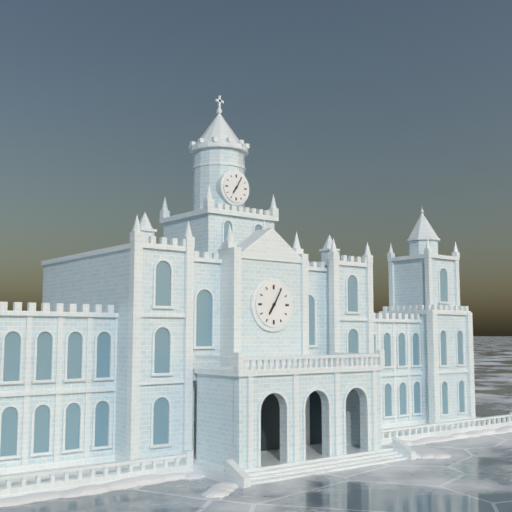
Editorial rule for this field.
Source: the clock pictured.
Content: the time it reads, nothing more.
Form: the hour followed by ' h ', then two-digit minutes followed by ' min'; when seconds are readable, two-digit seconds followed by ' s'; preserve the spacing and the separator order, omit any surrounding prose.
7 h 05 min
